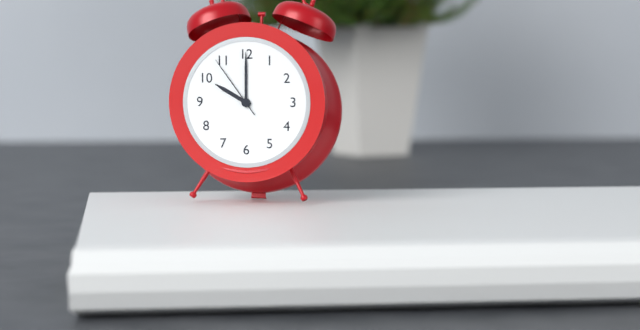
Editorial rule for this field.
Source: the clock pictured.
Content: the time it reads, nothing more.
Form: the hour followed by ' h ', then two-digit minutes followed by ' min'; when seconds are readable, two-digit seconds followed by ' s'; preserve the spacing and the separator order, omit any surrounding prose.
10 h 00 min 54 s
